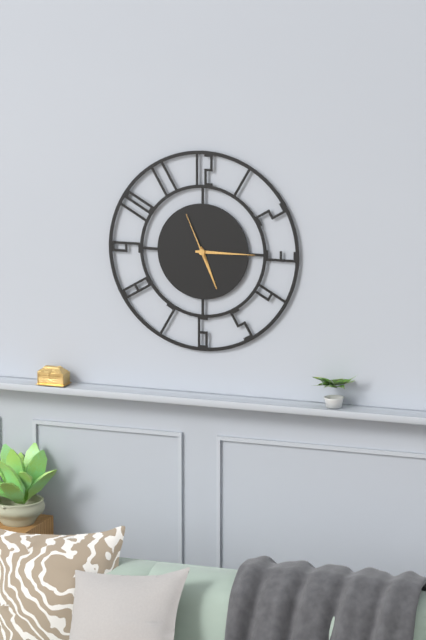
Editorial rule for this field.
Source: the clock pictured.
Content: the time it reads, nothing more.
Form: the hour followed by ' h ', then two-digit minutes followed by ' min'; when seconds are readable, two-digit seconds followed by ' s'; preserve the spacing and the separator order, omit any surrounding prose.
5 h 15 min 56 s
